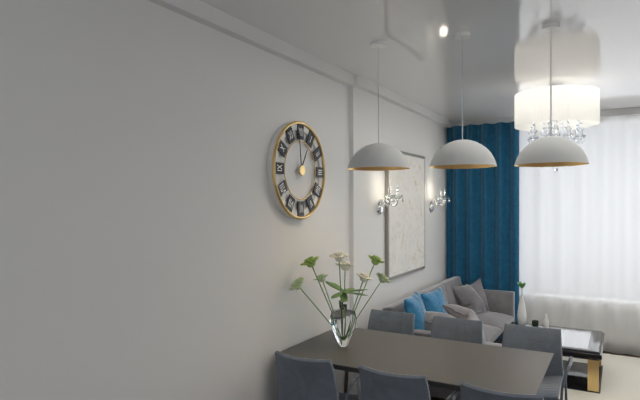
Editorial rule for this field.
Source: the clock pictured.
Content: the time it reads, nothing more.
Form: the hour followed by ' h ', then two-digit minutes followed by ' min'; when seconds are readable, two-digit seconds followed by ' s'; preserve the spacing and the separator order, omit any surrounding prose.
12 h 59 min
